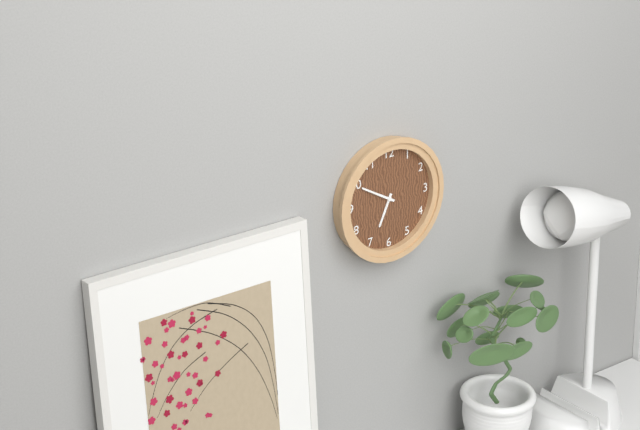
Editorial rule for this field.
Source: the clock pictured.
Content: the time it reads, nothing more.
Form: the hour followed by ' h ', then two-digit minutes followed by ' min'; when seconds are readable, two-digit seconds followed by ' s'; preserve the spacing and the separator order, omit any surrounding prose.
6 h 50 min
